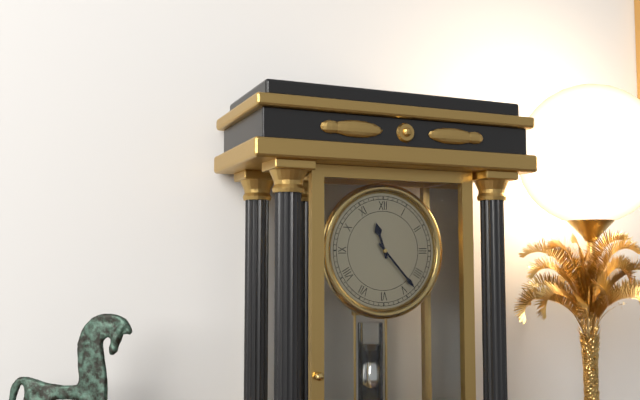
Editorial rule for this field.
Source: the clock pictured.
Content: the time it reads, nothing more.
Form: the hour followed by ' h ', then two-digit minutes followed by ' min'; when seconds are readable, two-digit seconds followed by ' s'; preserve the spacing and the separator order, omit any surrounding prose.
11 h 23 min
